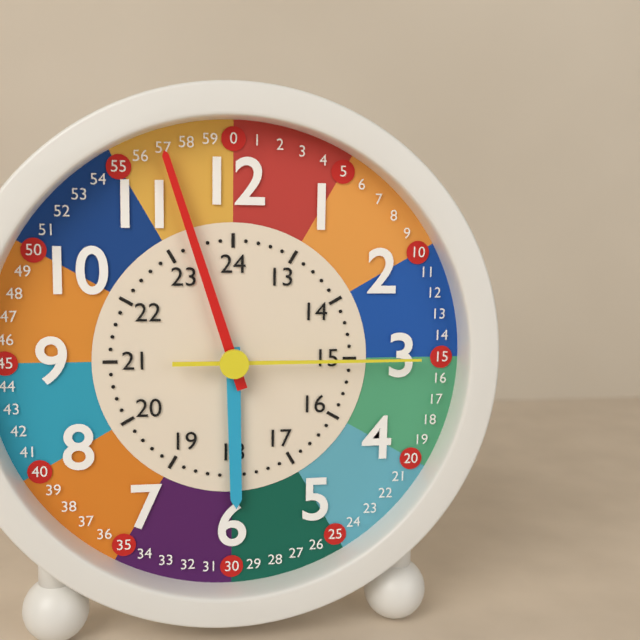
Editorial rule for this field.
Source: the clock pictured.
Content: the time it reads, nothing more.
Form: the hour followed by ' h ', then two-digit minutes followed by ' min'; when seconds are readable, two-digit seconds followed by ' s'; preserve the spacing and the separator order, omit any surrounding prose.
5 h 57 min 15 s
